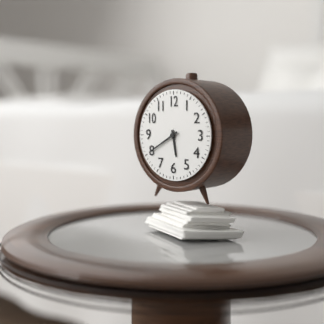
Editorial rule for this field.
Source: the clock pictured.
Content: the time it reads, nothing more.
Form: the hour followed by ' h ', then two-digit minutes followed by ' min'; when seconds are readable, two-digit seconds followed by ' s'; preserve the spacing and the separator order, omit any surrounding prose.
5 h 40 min
